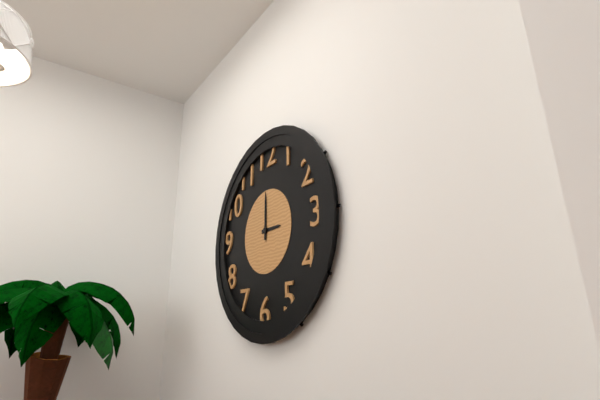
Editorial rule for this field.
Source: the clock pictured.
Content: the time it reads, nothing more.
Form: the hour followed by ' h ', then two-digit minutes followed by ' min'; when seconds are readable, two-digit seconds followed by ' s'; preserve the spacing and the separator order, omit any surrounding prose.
3 h 00 min
